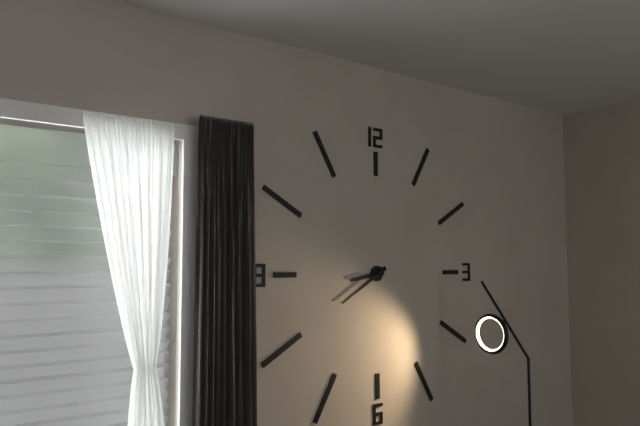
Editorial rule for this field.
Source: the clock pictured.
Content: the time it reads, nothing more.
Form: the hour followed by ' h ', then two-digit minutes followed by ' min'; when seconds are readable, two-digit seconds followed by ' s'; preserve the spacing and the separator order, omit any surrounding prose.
8 h 40 min
